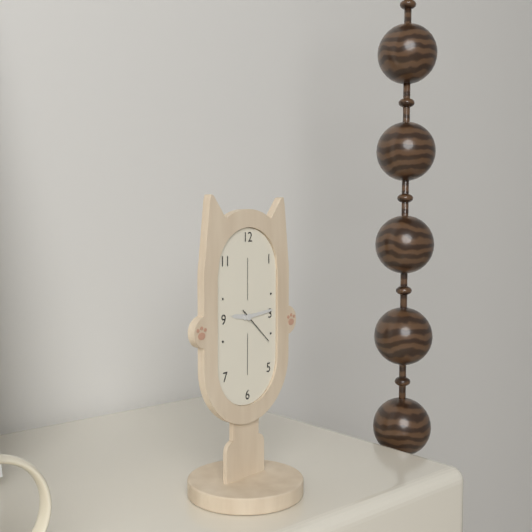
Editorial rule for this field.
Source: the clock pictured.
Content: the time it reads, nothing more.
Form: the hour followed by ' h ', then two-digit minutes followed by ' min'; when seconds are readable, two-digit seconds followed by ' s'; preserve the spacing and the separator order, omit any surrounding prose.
9 h 14 min
